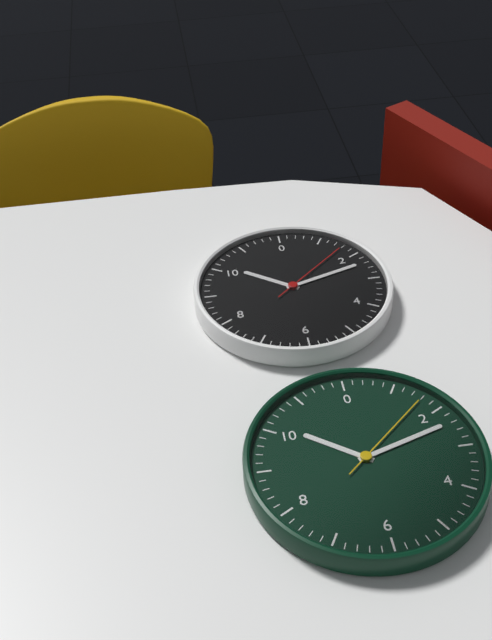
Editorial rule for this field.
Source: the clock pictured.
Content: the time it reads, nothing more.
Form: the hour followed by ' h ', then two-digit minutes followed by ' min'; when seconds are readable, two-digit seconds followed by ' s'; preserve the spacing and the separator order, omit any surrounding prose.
10 h 12 min 08 s
